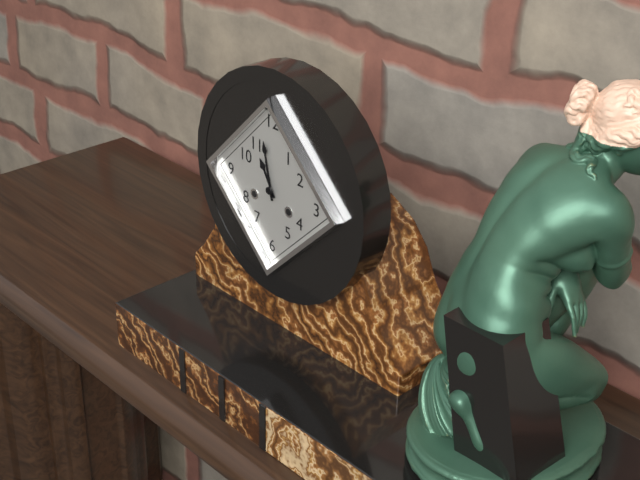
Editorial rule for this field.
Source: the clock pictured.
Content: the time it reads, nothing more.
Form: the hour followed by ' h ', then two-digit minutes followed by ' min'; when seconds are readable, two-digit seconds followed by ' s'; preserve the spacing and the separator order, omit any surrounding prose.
10 h 58 min
